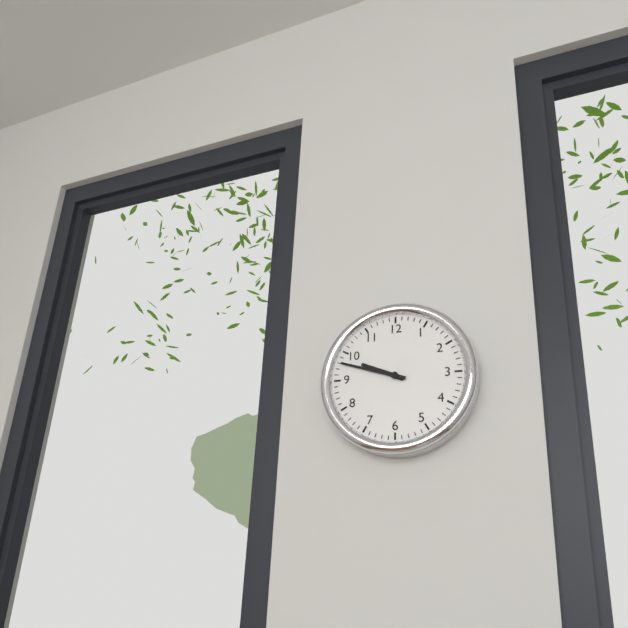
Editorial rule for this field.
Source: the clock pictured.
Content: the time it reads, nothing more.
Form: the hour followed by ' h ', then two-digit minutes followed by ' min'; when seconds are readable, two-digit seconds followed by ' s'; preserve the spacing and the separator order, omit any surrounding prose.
9 h 48 min
